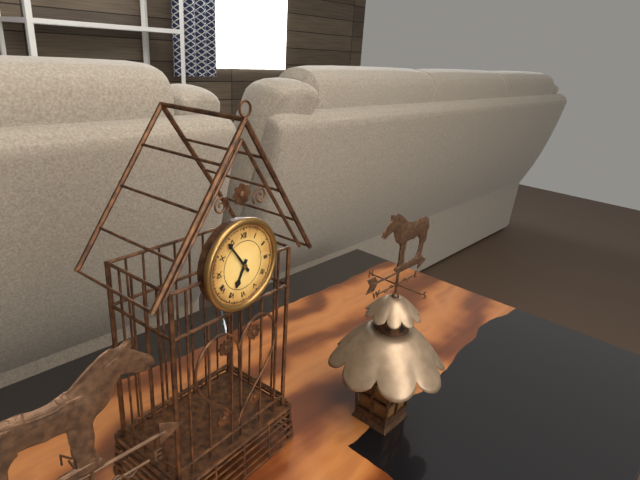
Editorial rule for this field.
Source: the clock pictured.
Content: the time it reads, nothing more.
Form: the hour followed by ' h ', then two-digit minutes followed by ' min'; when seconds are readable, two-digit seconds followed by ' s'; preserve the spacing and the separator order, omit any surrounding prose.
6 h 54 min
